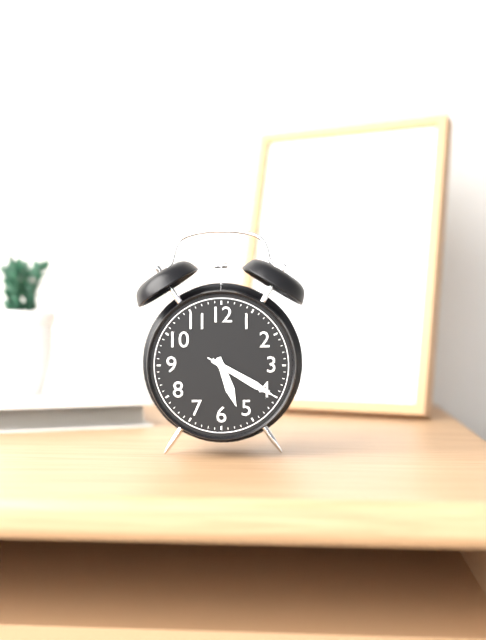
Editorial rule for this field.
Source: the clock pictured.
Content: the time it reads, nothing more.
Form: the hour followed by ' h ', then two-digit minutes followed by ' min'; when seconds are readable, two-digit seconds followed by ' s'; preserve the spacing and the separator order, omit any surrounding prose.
5 h 20 min 20 s
